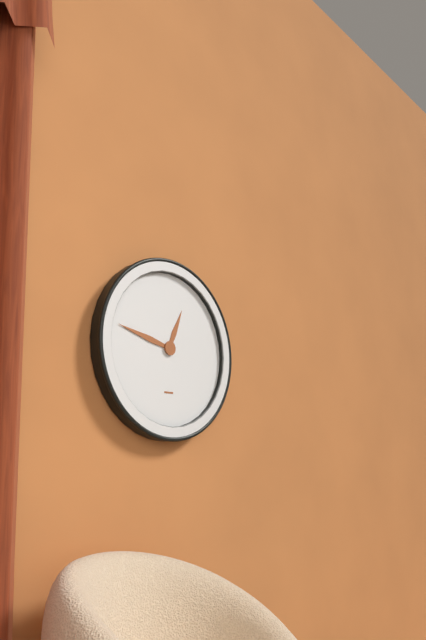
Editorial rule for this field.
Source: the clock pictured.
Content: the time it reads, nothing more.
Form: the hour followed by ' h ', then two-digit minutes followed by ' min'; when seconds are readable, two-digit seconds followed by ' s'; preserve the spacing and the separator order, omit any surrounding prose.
12 h 47 min
